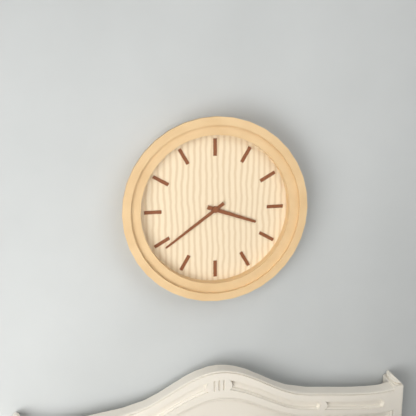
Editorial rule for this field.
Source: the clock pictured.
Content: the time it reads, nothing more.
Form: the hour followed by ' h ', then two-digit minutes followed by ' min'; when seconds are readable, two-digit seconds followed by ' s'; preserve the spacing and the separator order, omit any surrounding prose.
3 h 39 min
